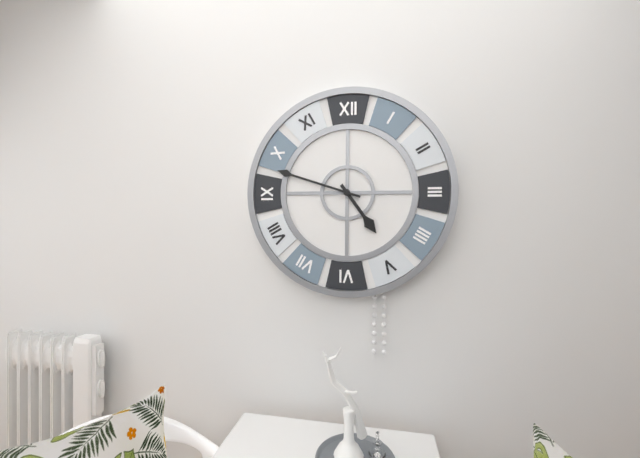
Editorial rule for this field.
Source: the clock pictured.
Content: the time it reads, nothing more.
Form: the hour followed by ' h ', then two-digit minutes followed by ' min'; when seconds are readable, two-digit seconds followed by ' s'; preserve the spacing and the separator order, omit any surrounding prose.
4 h 48 min
